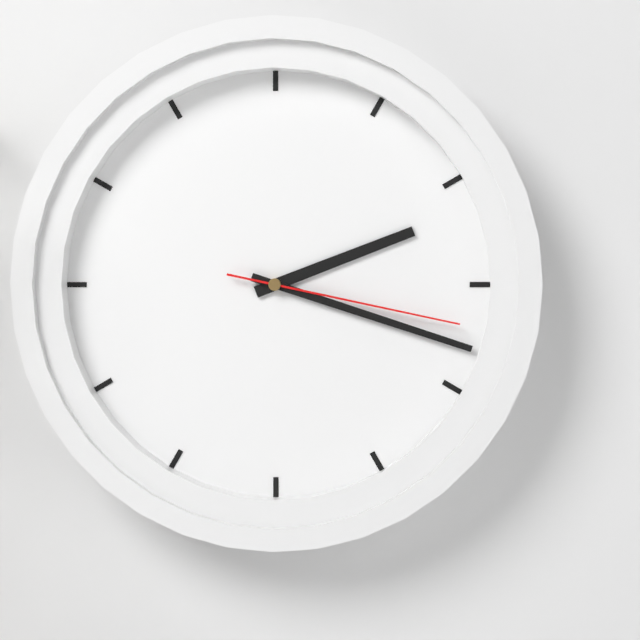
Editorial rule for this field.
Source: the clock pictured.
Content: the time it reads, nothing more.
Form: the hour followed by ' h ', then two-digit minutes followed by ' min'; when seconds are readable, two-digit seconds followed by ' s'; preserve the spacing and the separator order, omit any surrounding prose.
2 h 18 min 17 s
